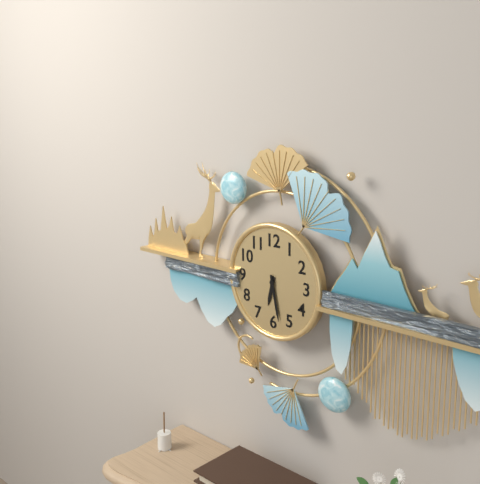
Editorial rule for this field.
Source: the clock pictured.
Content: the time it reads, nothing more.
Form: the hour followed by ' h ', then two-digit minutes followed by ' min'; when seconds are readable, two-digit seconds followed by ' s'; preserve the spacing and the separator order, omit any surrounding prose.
6 h 28 min
